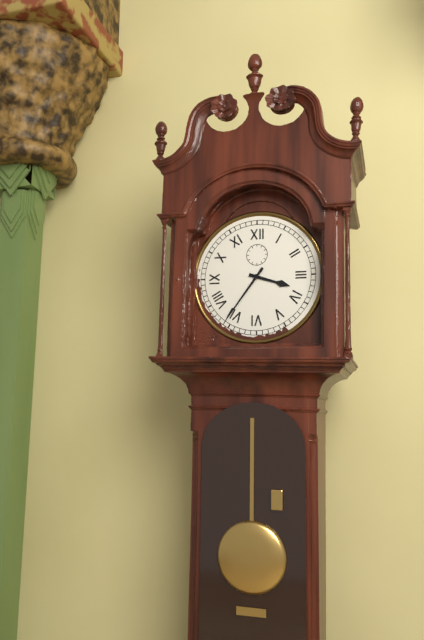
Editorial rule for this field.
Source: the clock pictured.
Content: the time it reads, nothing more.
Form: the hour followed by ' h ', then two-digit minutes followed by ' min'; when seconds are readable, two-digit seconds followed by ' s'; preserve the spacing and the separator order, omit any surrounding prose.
3 h 36 min
